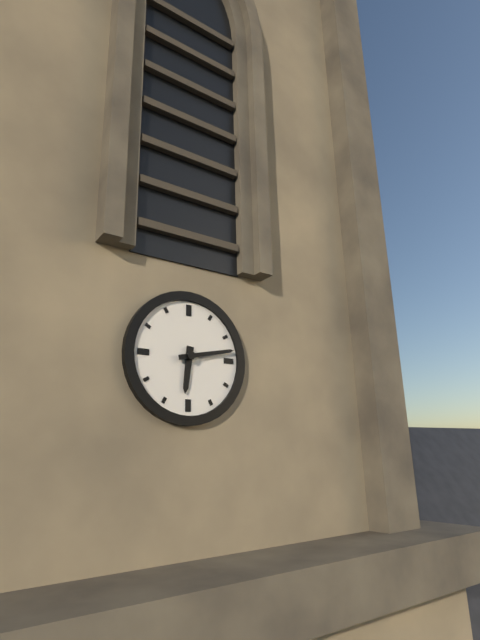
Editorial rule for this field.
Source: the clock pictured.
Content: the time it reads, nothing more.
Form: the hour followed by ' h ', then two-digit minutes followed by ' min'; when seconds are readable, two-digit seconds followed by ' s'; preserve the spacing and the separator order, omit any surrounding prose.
6 h 13 min
